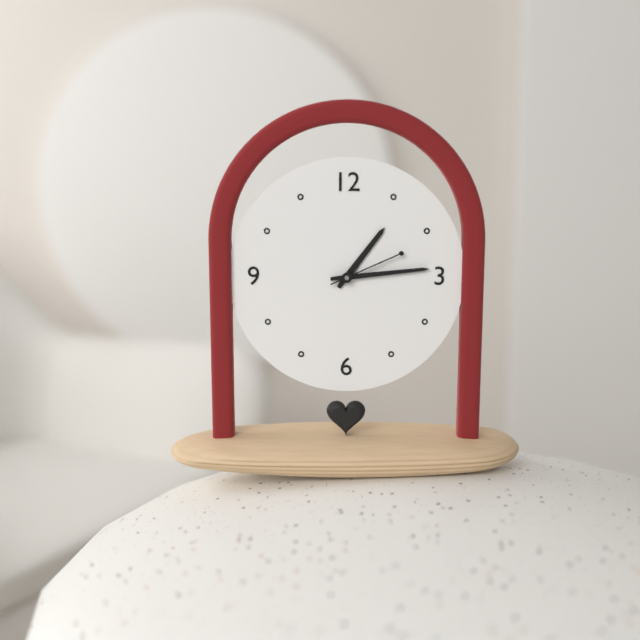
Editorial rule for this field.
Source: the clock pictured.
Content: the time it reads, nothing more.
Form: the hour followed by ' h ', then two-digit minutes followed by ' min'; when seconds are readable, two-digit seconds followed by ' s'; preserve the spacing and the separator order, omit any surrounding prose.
1 h 14 min 11 s
